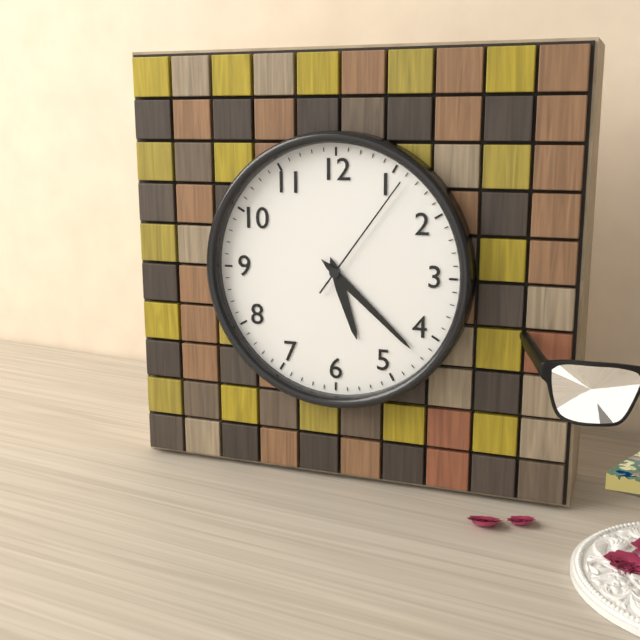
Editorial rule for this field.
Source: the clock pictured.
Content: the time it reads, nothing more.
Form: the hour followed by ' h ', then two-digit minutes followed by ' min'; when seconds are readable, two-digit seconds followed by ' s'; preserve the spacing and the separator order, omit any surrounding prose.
5 h 22 min 06 s
